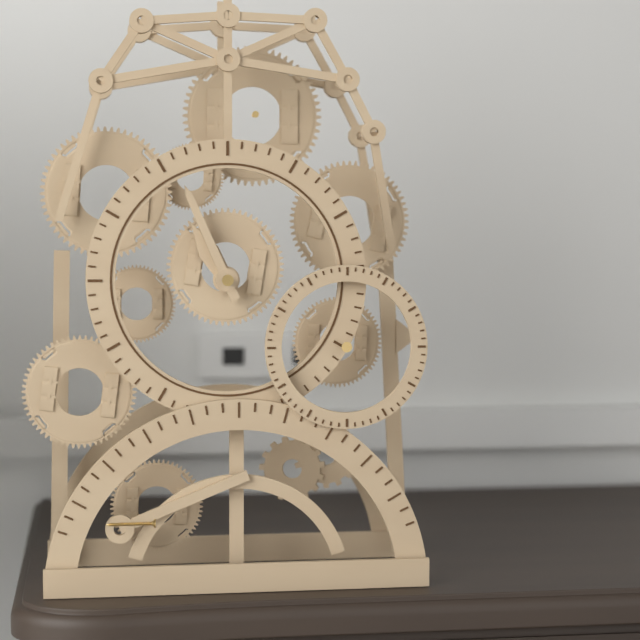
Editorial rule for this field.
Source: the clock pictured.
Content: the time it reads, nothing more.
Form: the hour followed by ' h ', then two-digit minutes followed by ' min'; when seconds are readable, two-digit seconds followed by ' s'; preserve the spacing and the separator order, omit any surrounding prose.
10 h 56 min
